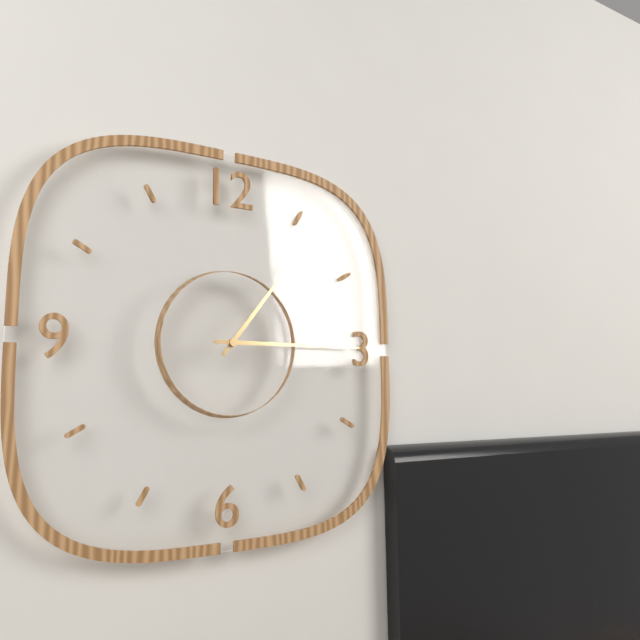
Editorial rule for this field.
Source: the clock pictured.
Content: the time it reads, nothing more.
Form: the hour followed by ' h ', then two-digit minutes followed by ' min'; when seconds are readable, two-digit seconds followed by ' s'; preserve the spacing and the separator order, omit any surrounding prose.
1 h 15 min
